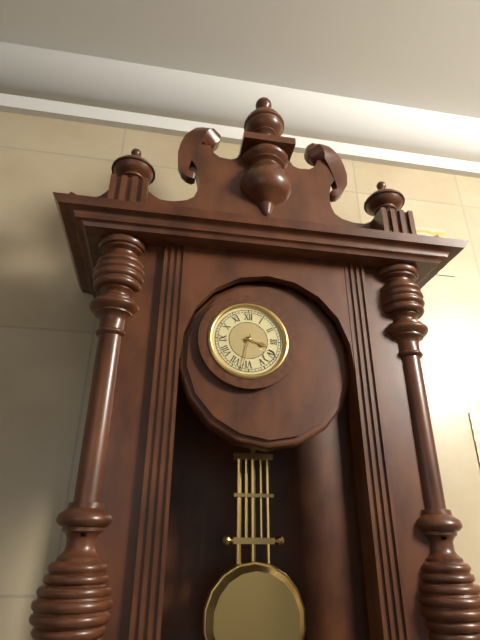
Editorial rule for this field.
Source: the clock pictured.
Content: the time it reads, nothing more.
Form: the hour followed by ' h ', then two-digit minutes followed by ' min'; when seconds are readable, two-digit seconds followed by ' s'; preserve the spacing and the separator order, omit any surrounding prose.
3 h 32 min
